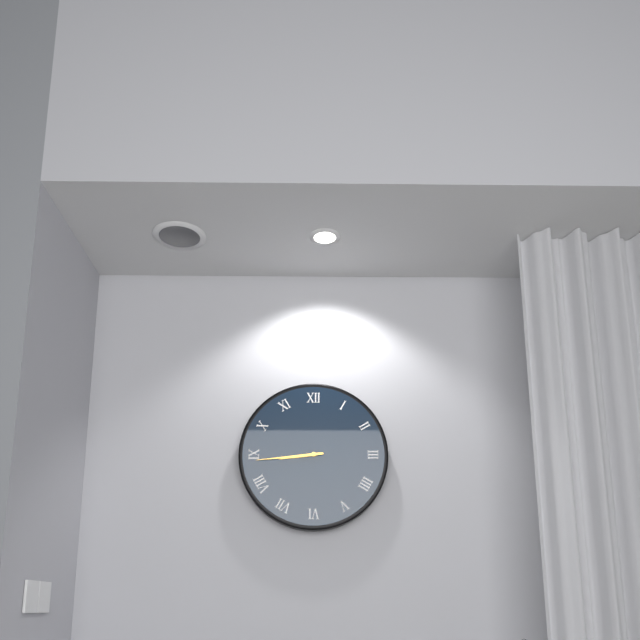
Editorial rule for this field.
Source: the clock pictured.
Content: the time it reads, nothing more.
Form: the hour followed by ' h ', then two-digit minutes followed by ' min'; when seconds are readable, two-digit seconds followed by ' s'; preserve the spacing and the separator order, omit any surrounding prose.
8 h 44 min
